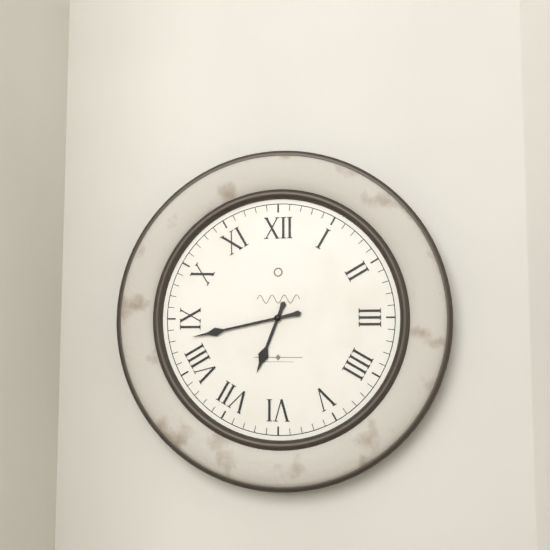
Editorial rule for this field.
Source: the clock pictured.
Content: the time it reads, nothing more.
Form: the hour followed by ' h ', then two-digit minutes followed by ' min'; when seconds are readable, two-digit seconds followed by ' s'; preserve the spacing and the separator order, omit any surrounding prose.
6 h 43 min
